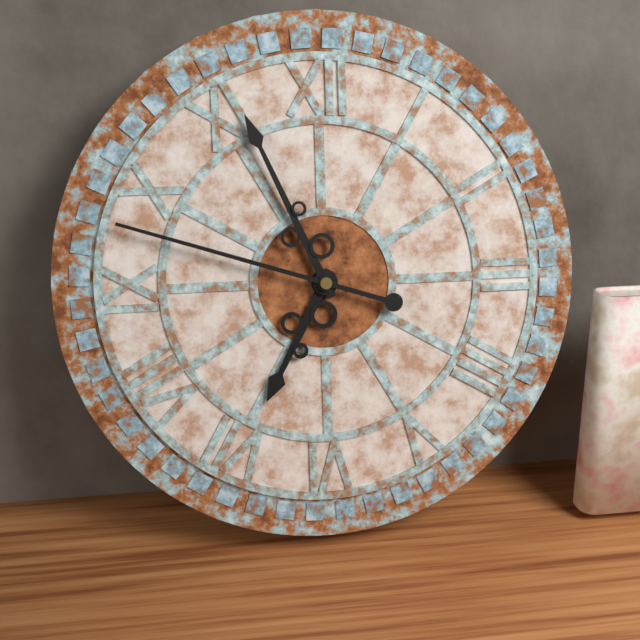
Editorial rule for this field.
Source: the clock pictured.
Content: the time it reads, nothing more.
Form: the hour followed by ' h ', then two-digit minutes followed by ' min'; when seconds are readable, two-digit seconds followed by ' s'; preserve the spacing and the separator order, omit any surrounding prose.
6 h 56 min 48 s
